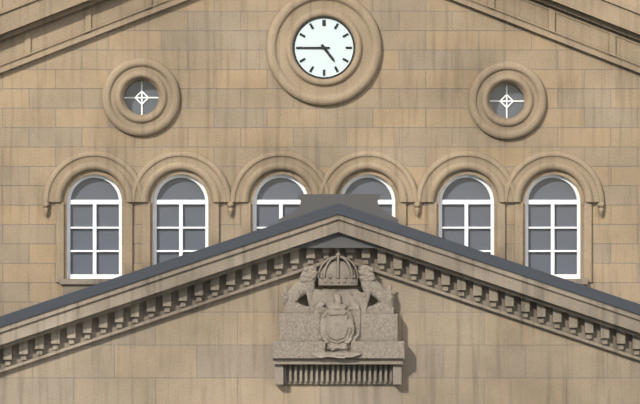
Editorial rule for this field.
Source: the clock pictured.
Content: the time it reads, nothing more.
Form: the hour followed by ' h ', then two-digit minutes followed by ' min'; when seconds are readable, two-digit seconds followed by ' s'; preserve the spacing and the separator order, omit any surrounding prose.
4 h 45 min
